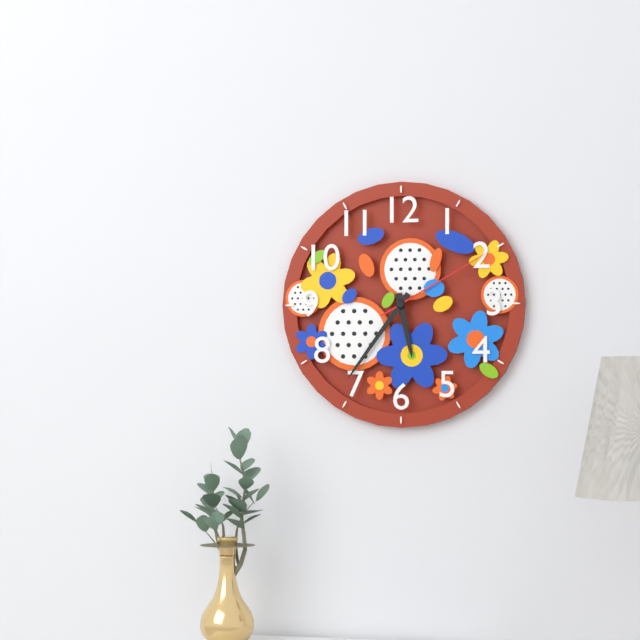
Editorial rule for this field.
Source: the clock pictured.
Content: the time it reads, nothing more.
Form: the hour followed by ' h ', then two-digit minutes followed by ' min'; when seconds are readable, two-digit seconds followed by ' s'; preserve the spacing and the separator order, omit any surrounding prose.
5 h 36 min 10 s
